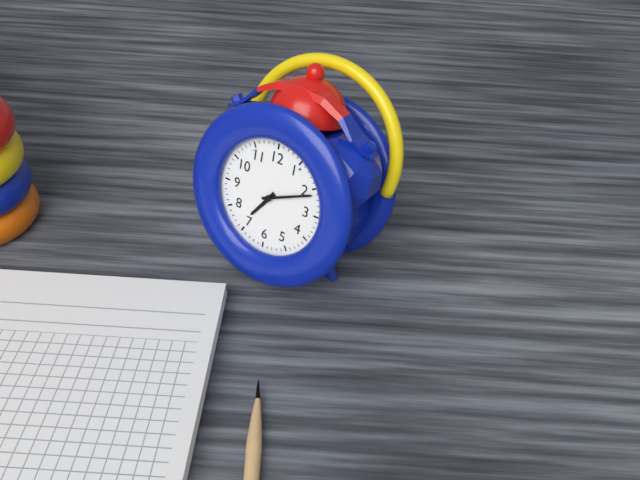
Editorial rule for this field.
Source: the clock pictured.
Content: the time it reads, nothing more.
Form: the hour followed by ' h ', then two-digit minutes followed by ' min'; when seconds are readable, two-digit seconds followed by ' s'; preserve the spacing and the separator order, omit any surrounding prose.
7 h 11 min
